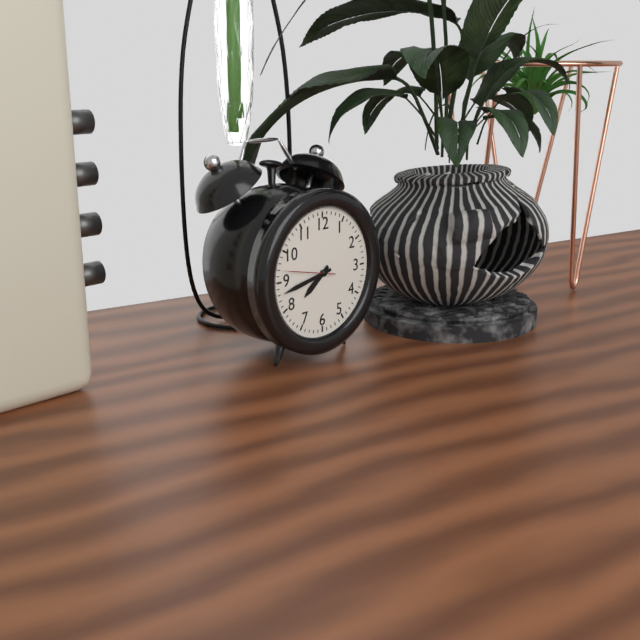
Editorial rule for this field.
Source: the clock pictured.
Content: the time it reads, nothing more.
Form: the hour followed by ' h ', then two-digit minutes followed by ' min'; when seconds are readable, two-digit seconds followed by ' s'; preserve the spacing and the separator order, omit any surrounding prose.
7 h 43 min 47 s
